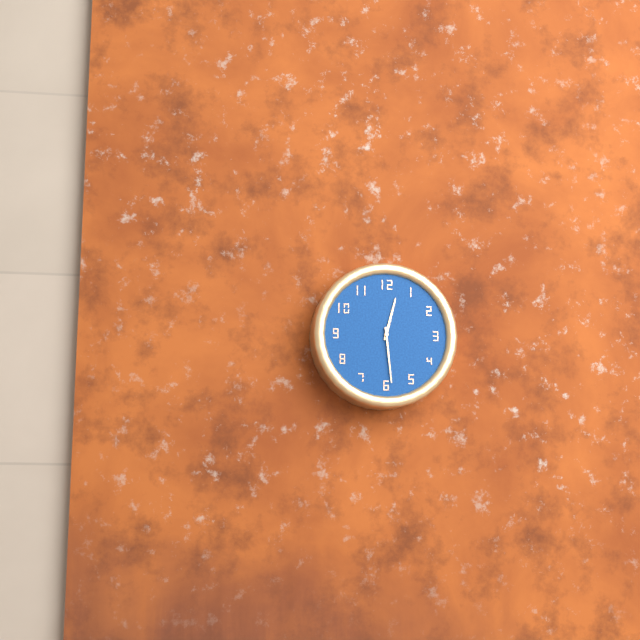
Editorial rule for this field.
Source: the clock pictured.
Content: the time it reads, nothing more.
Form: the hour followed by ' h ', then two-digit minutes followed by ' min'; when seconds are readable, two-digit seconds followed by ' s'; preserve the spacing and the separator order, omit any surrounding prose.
12 h 29 min
